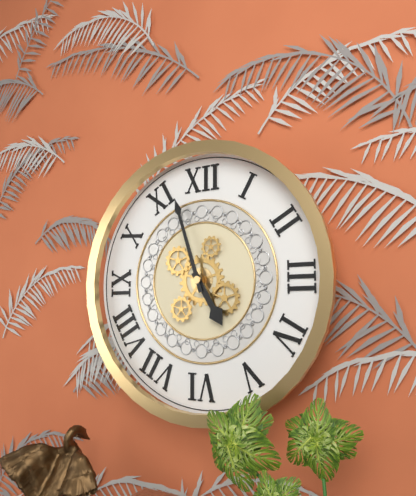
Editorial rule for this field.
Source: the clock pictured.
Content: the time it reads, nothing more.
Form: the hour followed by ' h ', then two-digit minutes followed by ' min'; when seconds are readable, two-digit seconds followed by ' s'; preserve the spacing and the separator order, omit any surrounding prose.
4 h 57 min
